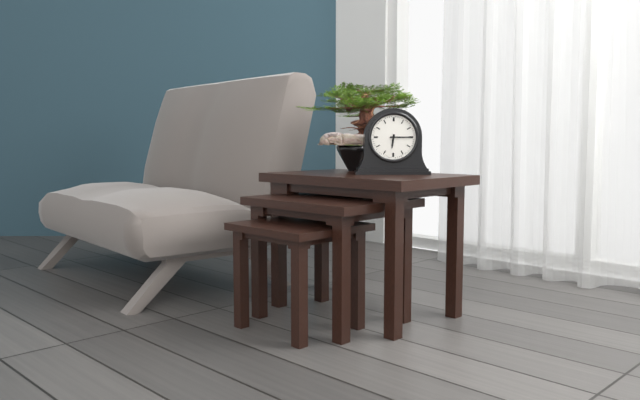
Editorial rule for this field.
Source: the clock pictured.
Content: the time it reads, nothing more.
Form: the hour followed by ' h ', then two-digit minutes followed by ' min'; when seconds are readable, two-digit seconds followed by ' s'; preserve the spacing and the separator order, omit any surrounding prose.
6 h 15 min
